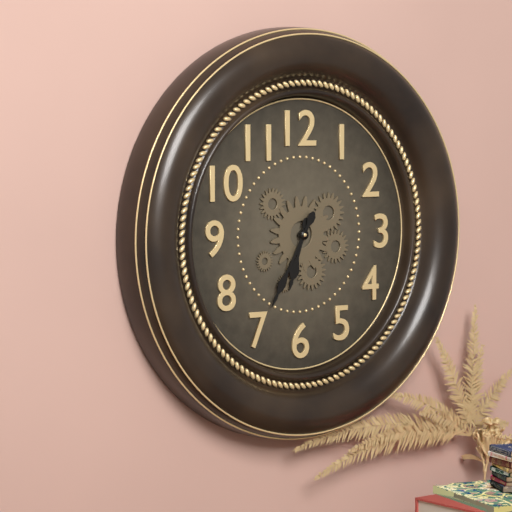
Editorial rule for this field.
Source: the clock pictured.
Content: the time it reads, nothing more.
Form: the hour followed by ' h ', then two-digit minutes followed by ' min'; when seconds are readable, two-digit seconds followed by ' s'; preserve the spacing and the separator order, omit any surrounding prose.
6 h 35 min
